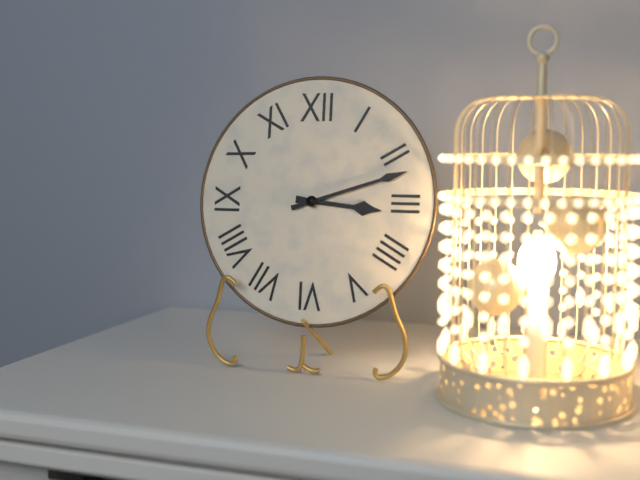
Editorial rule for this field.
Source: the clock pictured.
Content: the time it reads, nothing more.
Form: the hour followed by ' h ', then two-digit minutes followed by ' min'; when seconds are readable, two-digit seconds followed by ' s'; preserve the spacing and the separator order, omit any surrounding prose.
3 h 12 min
